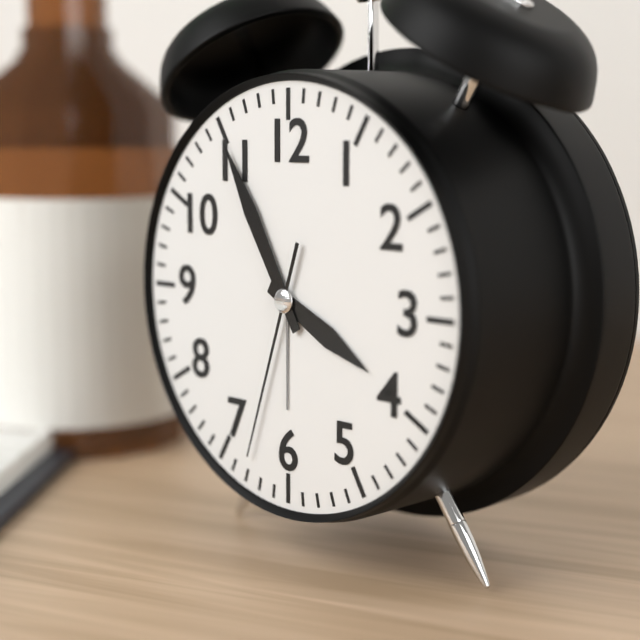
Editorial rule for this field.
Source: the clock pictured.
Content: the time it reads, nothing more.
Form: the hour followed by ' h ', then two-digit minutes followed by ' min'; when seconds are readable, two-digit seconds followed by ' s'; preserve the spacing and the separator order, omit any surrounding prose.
3 h 55 min 33 s
